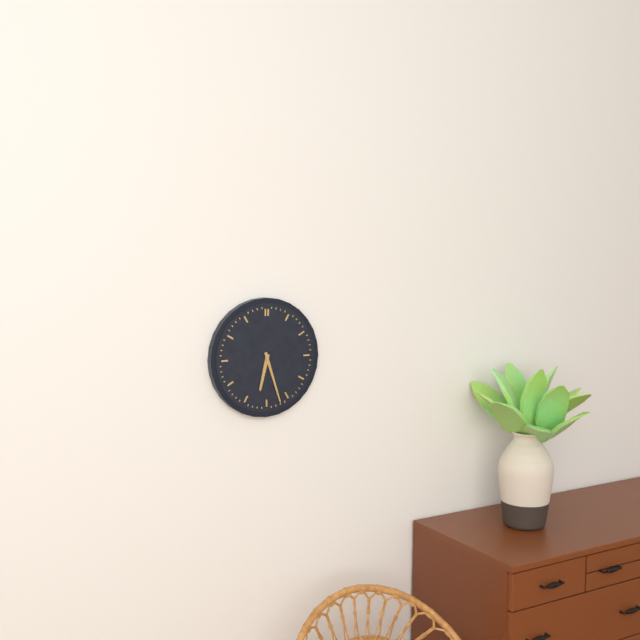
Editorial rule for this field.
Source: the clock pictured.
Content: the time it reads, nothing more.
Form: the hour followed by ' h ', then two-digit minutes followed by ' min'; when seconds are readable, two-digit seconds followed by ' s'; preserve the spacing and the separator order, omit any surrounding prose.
6 h 27 min
